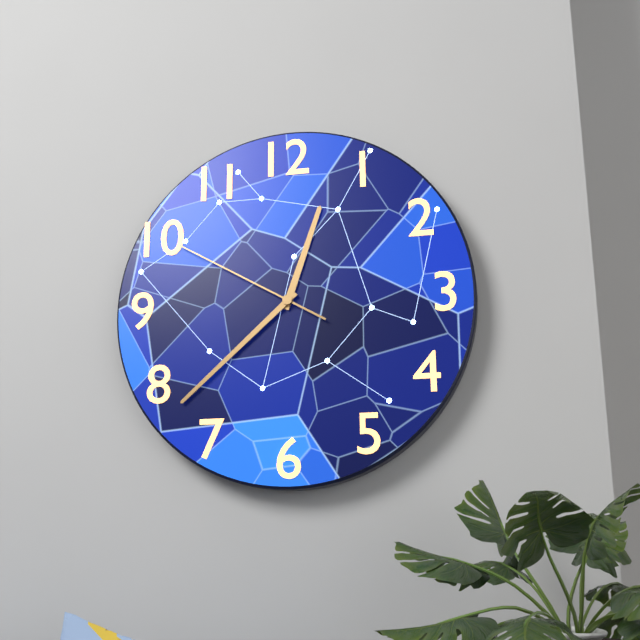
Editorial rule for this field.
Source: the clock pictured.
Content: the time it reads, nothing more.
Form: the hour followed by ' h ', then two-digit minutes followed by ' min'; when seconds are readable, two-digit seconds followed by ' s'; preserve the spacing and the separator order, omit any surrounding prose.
12 h 38 min 50 s
